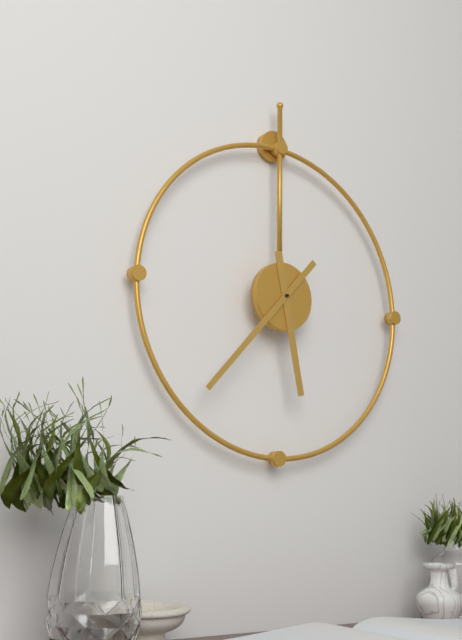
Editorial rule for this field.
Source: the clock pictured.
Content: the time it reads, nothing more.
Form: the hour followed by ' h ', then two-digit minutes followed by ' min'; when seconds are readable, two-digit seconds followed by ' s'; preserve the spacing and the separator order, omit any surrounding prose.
5 h 37 min
